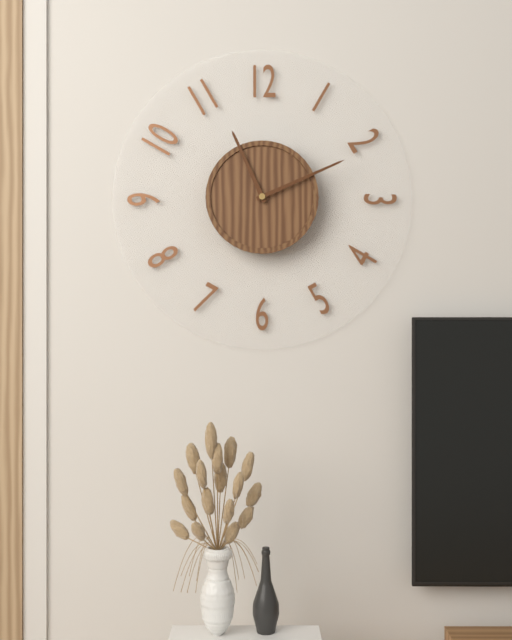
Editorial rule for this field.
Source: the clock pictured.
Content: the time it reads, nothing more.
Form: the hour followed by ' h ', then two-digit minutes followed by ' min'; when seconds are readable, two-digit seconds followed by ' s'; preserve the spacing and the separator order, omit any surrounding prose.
11 h 11 min
